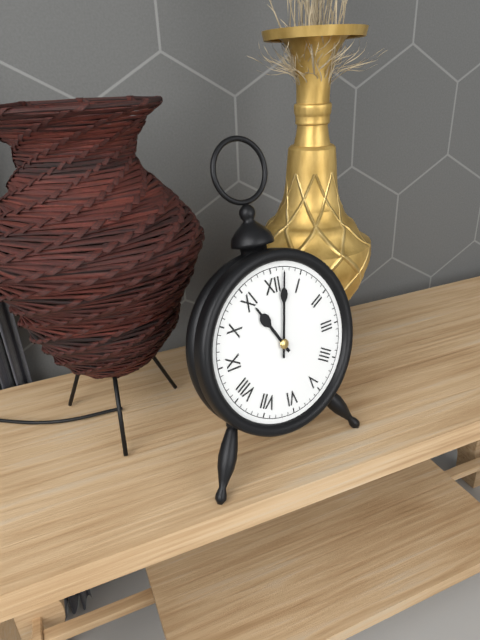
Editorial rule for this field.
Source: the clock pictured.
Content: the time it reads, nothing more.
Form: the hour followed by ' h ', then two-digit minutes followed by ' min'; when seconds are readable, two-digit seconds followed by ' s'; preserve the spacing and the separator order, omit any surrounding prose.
11 h 02 min
